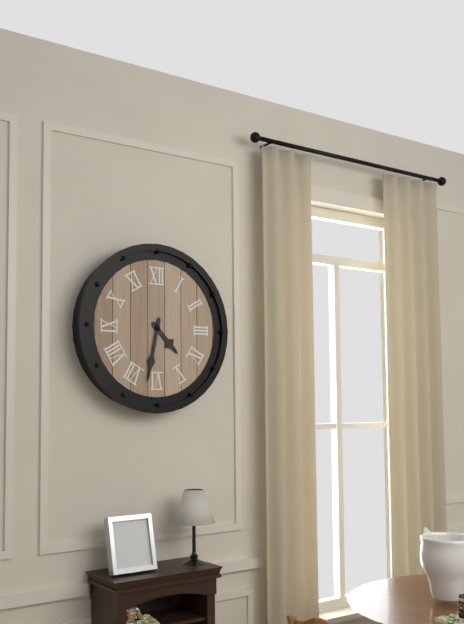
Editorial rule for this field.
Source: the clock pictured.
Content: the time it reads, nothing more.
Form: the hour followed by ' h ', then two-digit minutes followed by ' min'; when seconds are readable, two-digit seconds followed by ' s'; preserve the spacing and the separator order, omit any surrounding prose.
4 h 32 min
